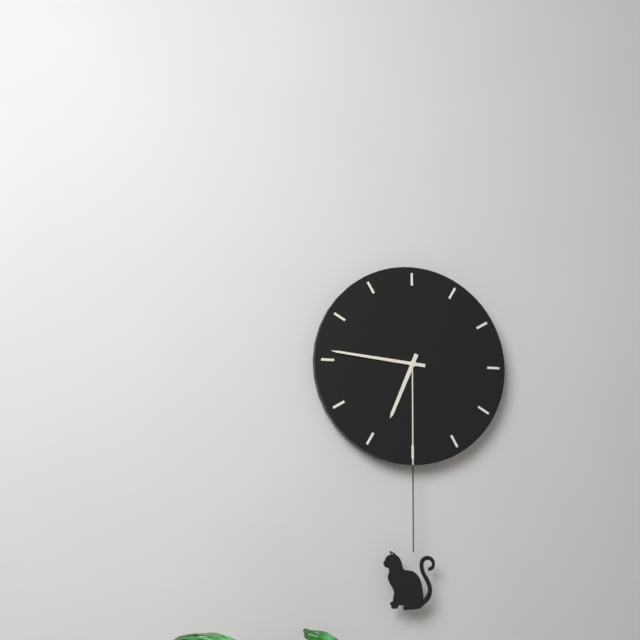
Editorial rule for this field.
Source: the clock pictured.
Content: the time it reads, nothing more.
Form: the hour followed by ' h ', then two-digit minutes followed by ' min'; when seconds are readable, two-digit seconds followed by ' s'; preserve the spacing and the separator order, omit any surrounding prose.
6 h 46 min
